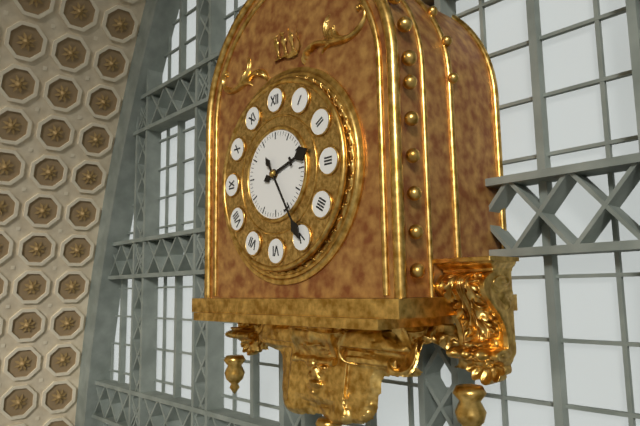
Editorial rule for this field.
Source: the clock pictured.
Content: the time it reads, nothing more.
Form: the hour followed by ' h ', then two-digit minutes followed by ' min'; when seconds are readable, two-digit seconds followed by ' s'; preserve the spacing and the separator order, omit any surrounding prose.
2 h 25 min
